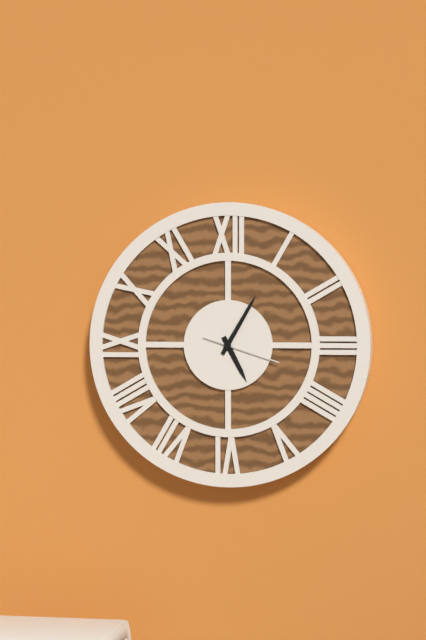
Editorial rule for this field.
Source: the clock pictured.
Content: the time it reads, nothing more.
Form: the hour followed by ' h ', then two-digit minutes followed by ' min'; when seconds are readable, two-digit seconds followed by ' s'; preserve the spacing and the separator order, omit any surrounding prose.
5 h 05 min 18 s
